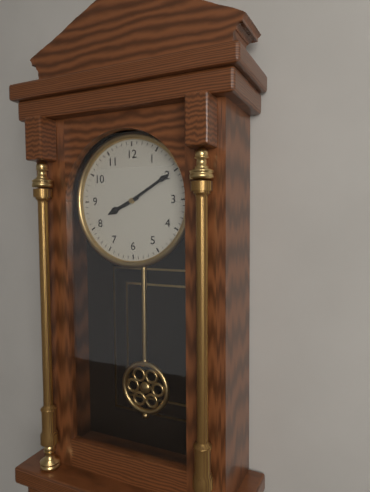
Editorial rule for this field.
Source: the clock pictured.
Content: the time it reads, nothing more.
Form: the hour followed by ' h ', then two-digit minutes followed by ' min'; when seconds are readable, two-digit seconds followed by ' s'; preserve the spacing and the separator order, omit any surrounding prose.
8 h 10 min
